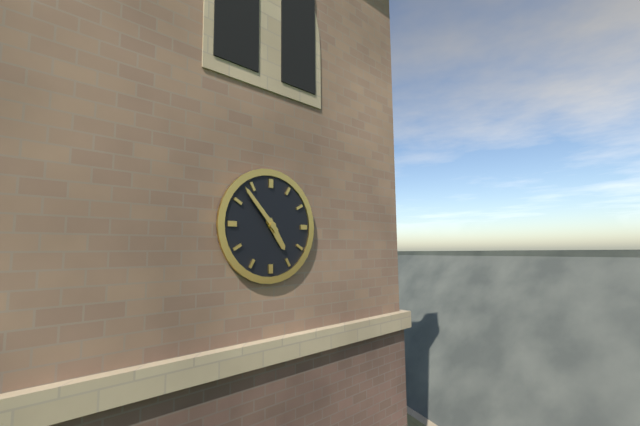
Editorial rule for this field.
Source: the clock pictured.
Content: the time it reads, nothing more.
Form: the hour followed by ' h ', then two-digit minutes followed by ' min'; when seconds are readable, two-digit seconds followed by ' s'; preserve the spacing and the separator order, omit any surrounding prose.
4 h 53 min
